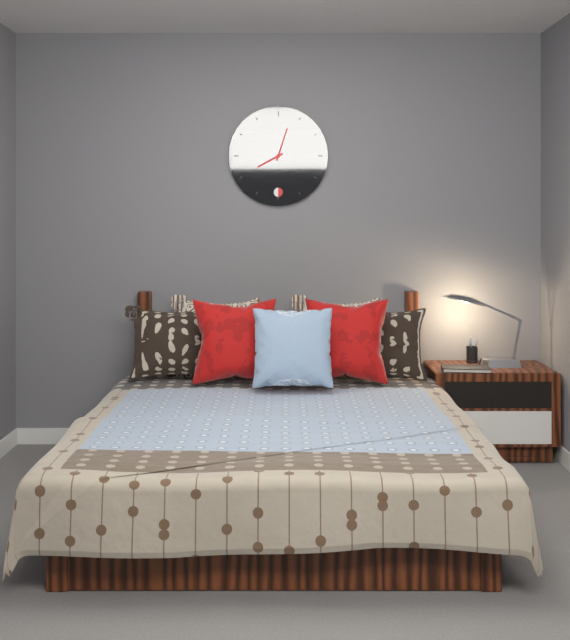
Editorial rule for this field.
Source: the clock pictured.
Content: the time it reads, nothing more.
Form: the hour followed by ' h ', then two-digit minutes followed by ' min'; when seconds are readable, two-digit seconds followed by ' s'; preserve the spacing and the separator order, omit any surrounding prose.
8 h 03 min
